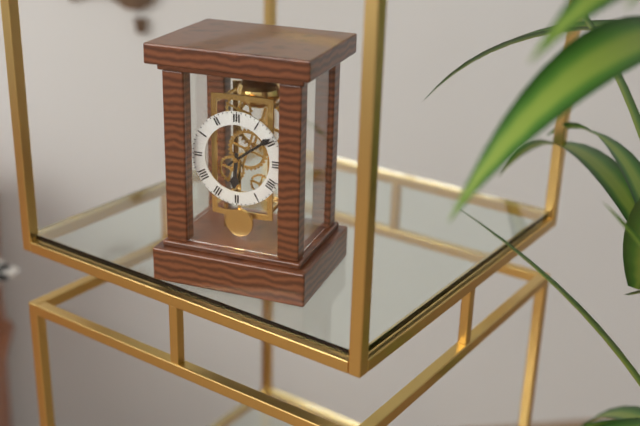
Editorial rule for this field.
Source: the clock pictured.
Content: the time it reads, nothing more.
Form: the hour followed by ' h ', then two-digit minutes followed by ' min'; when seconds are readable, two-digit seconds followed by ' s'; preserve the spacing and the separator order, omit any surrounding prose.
6 h 09 min
